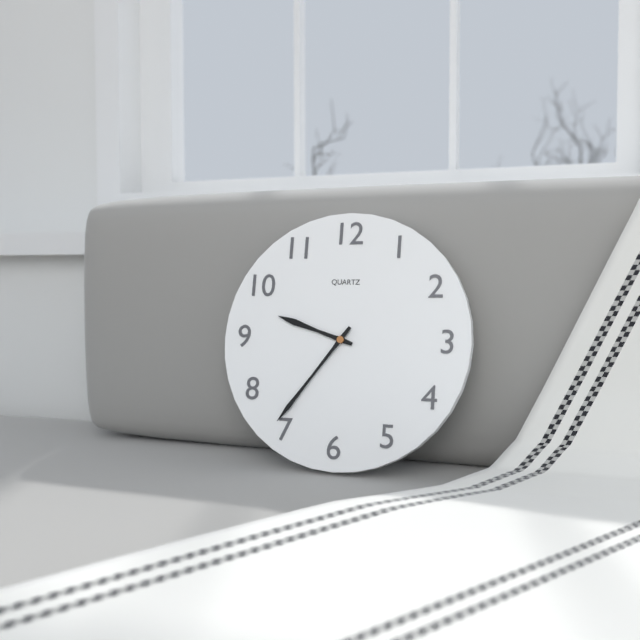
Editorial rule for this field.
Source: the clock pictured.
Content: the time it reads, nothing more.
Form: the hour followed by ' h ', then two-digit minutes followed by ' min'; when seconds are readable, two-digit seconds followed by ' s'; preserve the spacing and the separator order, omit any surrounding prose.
9 h 36 min
